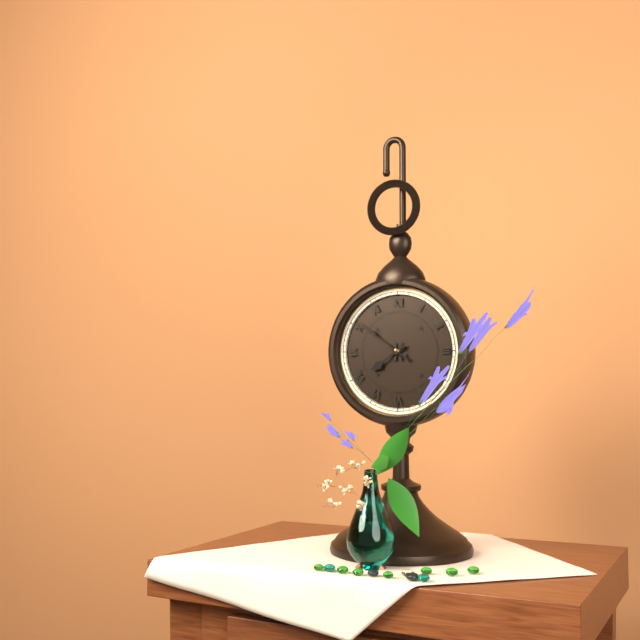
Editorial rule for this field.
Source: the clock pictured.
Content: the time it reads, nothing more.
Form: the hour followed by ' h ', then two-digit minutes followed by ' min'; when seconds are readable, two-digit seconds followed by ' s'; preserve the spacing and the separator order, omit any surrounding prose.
7 h 51 min
